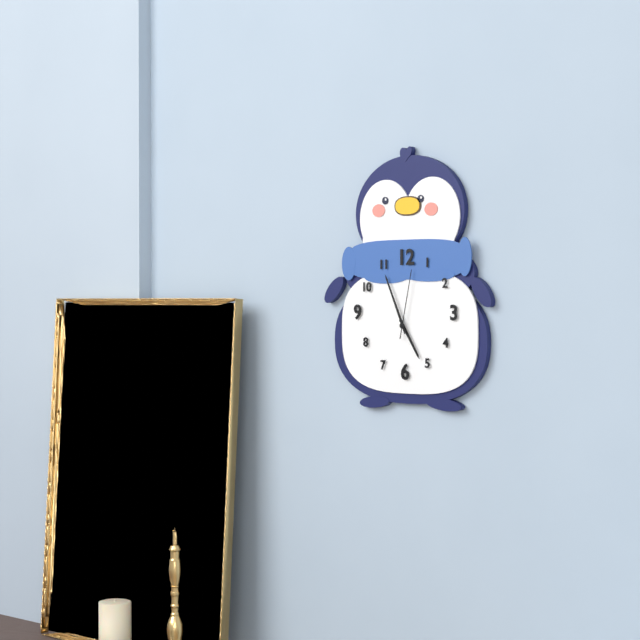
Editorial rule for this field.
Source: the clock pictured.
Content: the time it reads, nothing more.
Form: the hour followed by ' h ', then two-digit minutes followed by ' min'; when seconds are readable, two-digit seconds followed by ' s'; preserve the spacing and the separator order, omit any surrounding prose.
4 h 56 min 02 s
